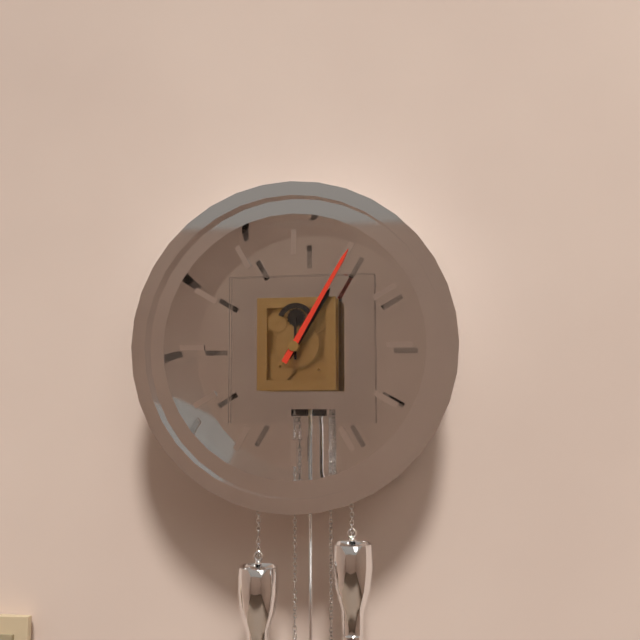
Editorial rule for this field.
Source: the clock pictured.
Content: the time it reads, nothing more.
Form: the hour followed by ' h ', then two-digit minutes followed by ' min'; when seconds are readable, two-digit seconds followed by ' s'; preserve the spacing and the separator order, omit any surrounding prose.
1 h 05 min
